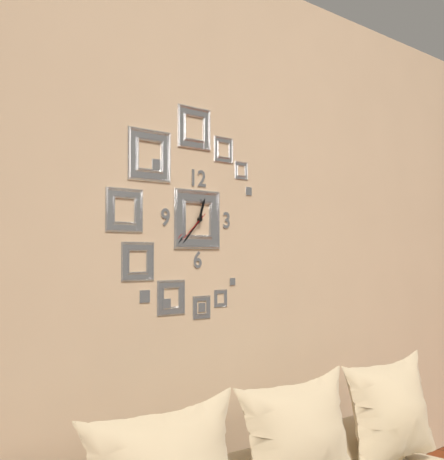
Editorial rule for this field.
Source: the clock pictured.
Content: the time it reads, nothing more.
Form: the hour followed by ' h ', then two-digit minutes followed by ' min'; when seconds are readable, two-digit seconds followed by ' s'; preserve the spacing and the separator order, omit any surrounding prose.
12 h 37 min
